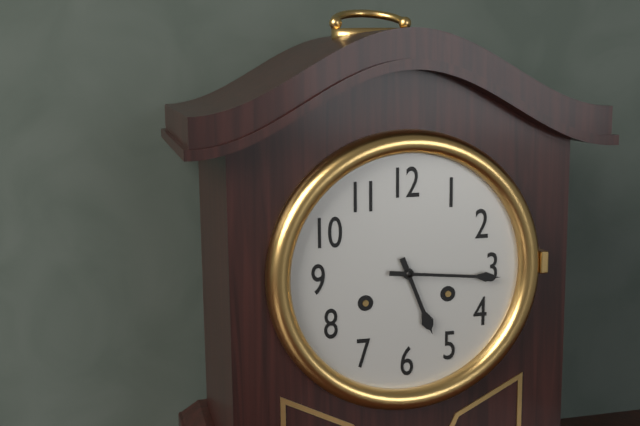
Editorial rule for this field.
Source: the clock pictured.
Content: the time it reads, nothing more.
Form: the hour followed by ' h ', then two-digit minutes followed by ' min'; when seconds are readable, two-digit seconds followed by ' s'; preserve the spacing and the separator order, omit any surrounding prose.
5 h 16 min
